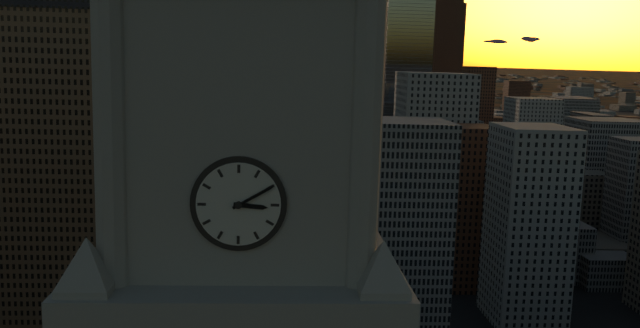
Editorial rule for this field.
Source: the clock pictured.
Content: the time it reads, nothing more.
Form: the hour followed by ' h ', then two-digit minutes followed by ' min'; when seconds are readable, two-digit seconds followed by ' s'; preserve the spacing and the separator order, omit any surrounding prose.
3 h 10 min
